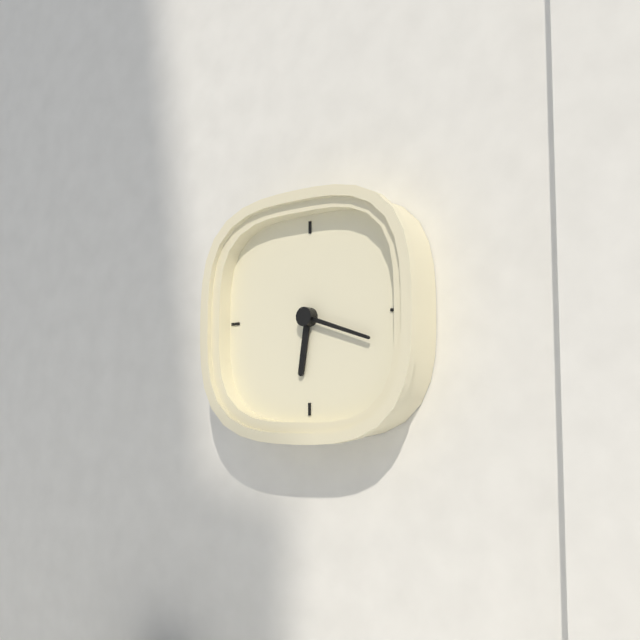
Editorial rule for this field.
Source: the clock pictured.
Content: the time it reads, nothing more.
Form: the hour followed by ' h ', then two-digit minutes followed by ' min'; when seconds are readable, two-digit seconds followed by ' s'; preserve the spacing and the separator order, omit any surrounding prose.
6 h 18 min
